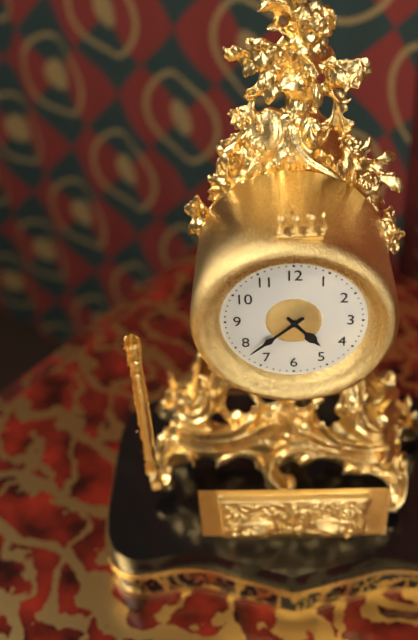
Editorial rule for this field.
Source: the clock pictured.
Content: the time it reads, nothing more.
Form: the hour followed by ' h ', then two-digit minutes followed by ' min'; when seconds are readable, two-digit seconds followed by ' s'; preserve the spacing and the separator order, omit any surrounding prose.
4 h 38 min
